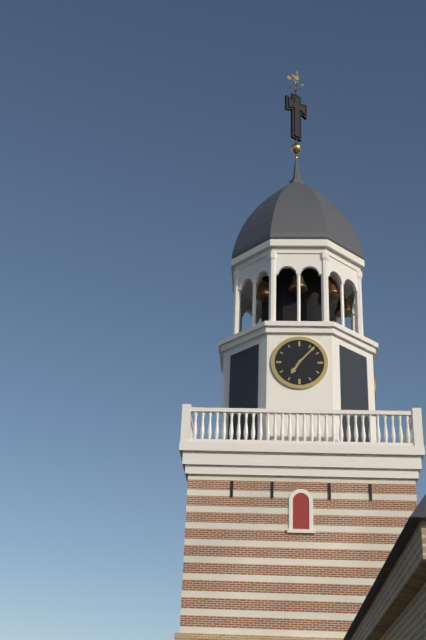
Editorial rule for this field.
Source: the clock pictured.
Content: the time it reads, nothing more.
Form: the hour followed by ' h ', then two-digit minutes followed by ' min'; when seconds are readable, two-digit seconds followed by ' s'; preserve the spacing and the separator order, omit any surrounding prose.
7 h 07 min
